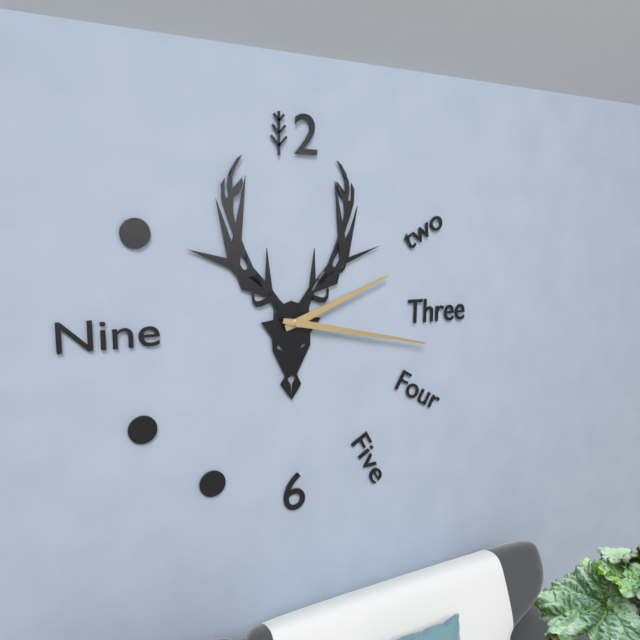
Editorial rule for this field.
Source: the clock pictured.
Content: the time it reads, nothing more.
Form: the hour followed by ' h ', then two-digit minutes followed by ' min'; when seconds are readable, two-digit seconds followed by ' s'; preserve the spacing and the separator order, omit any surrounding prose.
2 h 17 min
